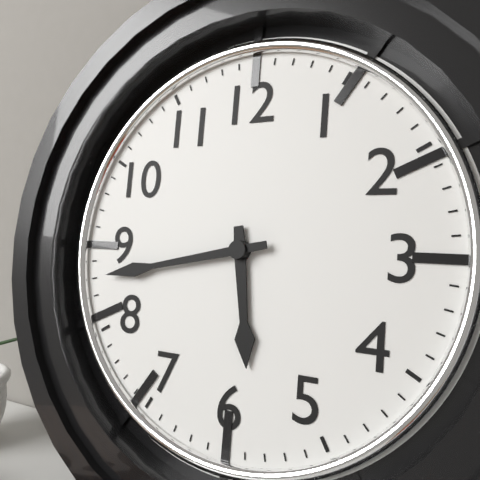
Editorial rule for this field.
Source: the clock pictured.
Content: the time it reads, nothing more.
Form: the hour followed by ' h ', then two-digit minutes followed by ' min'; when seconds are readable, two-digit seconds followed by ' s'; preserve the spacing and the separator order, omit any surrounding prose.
5 h 43 min
